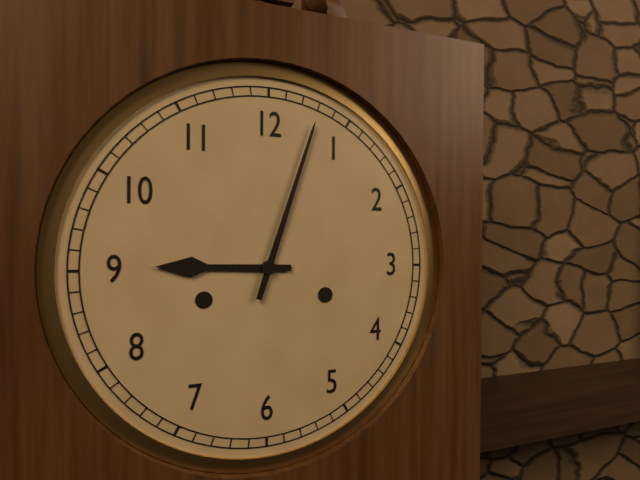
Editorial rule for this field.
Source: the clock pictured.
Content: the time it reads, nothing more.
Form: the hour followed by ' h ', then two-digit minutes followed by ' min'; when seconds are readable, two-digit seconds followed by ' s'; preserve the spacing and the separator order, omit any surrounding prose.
9 h 03 min
